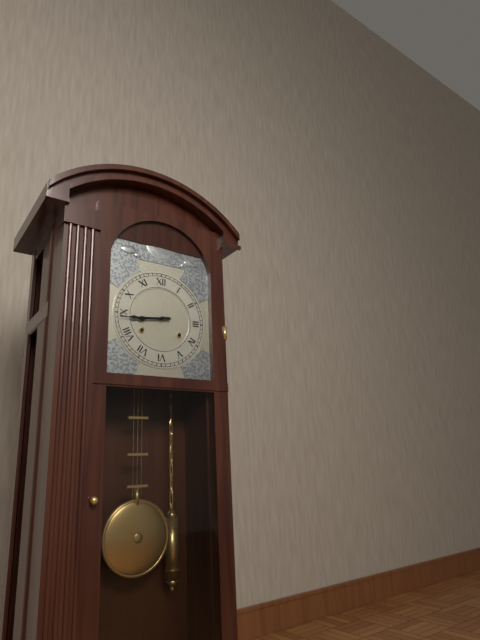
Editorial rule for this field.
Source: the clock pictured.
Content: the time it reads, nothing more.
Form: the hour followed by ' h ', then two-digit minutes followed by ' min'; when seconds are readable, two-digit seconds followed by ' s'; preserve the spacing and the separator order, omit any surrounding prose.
8 h 44 min
